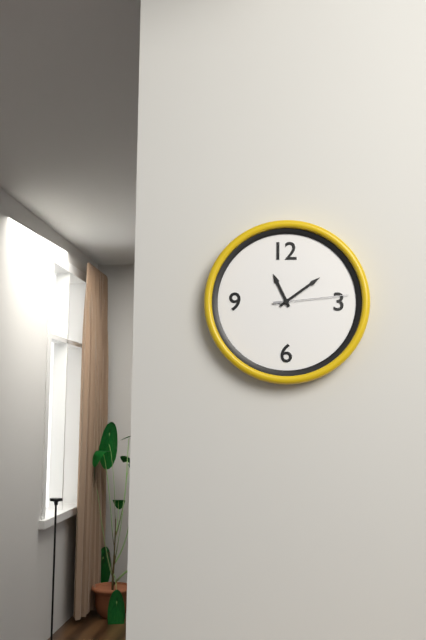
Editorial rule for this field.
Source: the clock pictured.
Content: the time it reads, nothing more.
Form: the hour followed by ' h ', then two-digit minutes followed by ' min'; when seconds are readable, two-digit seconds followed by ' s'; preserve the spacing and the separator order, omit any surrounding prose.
11 h 09 min 14 s
